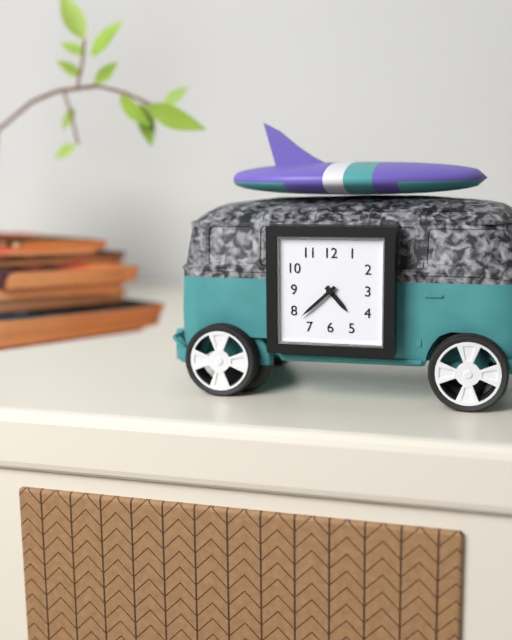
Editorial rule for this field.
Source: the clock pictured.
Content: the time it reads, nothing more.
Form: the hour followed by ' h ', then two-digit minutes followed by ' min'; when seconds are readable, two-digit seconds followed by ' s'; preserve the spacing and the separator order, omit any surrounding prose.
4 h 38 min
